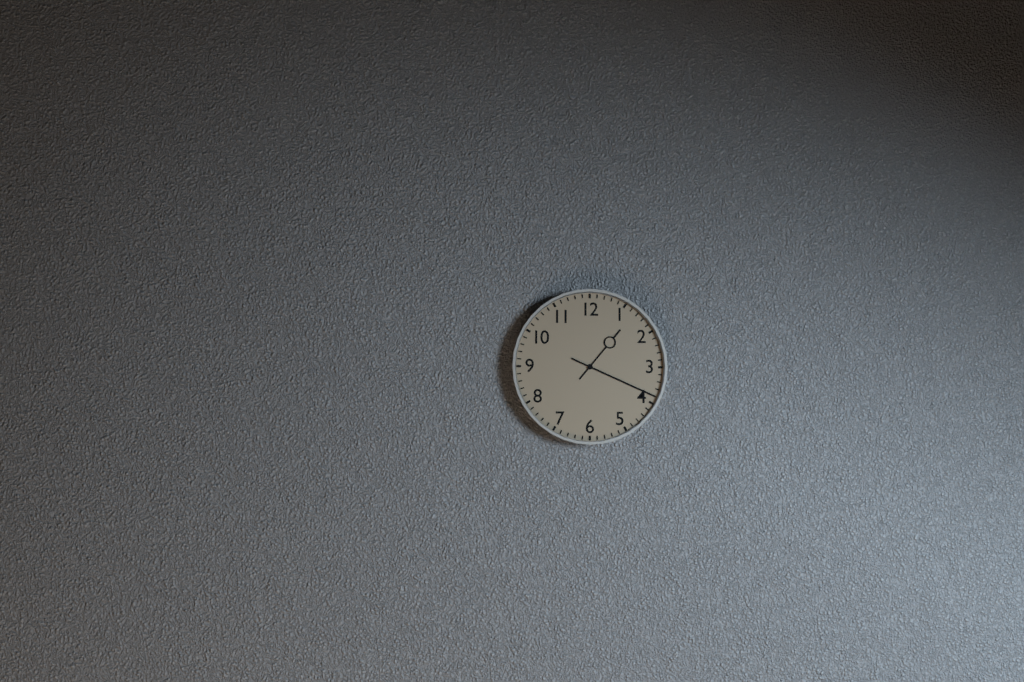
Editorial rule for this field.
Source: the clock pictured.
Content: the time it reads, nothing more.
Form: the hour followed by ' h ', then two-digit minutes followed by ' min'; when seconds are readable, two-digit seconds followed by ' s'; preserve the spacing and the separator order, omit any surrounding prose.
1 h 19 min
